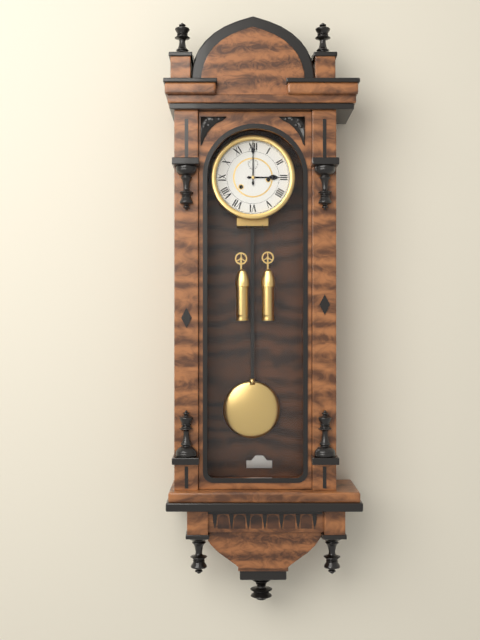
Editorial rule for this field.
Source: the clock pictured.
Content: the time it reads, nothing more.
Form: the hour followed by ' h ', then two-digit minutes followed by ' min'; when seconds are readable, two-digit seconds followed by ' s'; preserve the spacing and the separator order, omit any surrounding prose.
3 h 00 min
